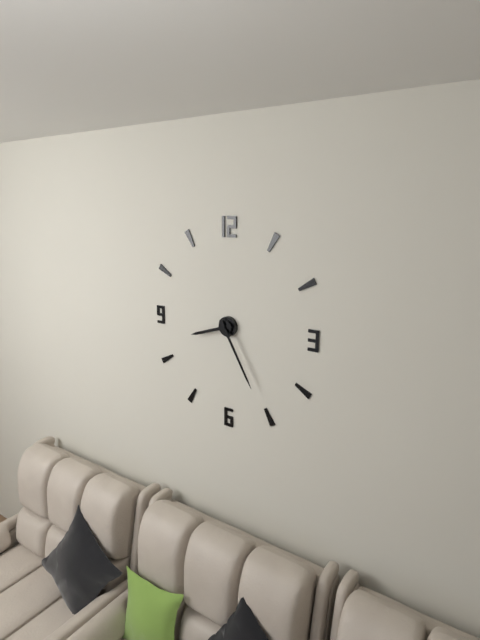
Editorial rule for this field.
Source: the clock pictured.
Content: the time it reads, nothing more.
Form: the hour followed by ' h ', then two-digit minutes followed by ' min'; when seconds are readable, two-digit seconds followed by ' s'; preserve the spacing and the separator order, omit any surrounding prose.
8 h 25 min
